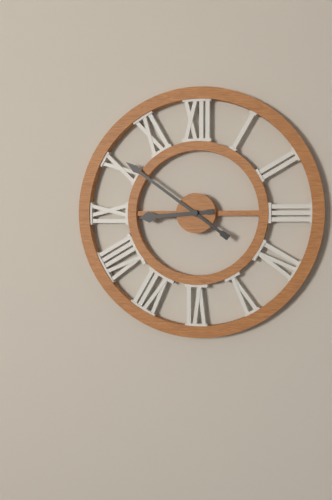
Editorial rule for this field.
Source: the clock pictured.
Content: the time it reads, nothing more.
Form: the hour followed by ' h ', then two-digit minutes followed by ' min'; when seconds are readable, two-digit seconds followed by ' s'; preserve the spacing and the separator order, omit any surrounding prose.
8 h 51 min
